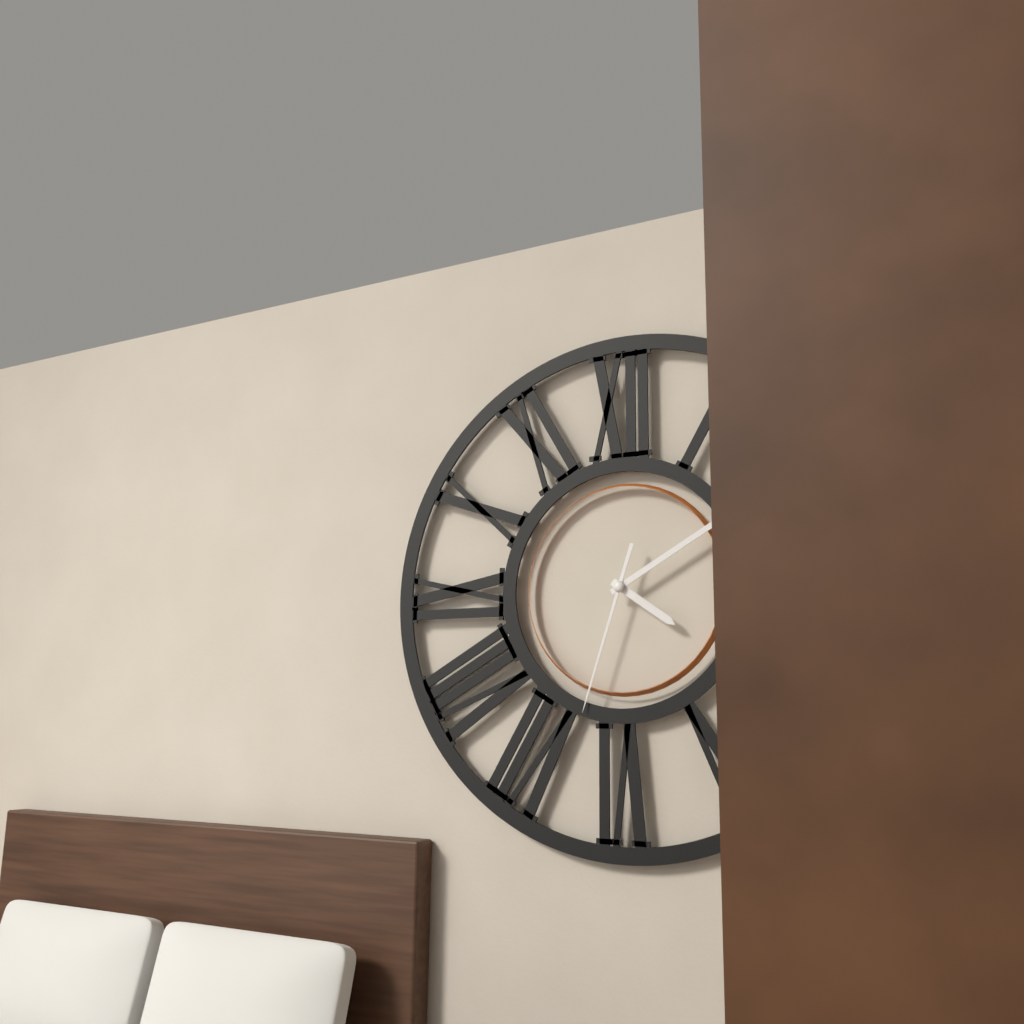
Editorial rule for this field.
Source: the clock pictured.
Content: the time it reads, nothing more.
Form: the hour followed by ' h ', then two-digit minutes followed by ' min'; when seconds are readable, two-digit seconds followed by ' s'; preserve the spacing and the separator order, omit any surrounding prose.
4 h 10 min 33 s
